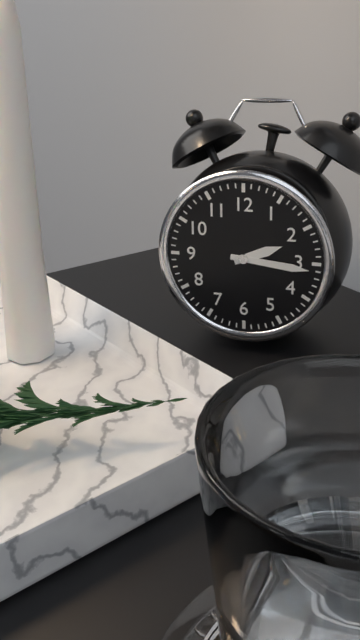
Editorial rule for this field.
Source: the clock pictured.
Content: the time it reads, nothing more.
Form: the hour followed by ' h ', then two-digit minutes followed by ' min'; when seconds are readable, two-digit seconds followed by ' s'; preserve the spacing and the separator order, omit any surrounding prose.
2 h 16 min
